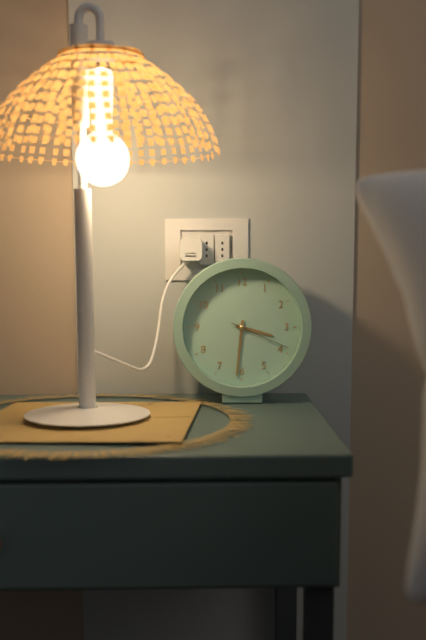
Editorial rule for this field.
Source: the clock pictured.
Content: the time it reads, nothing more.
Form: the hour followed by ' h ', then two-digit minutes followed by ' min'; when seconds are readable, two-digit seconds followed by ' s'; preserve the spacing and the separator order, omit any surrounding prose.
3 h 31 min 19 s
